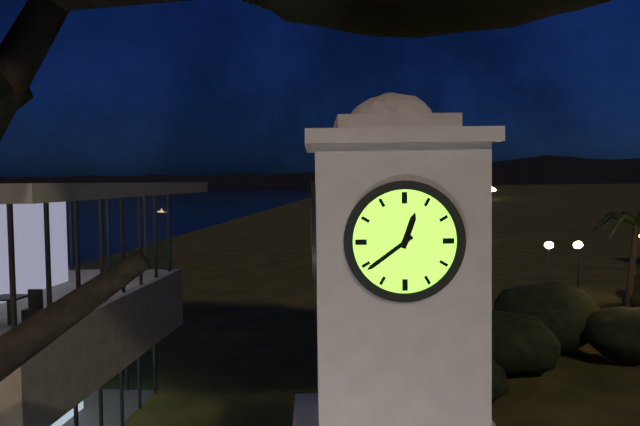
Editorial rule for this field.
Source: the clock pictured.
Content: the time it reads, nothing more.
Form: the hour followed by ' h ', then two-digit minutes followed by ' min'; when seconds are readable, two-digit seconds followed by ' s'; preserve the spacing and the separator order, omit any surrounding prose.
12 h 39 min
